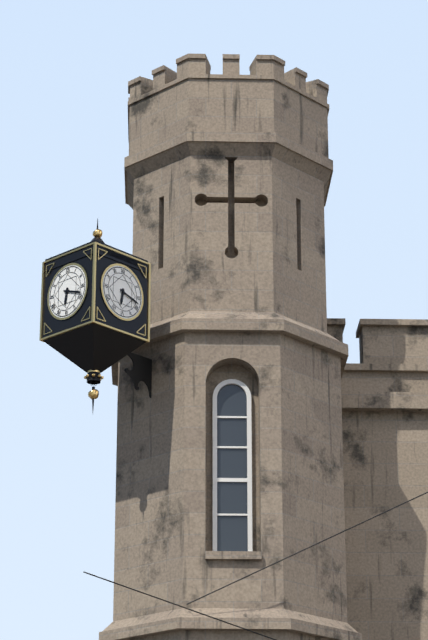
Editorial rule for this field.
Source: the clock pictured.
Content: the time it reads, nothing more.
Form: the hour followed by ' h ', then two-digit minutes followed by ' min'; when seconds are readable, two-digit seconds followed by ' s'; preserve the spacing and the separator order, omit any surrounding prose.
6 h 18 min
